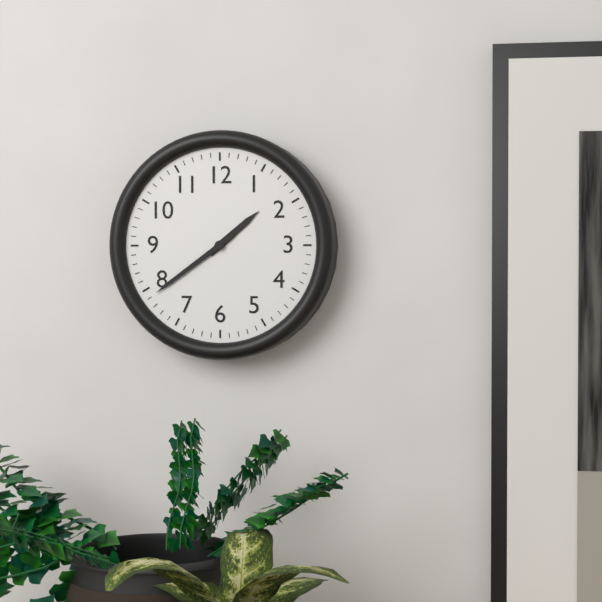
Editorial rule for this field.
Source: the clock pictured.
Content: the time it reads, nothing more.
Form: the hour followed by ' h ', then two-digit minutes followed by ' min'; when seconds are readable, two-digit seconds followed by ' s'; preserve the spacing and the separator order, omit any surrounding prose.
1 h 39 min
